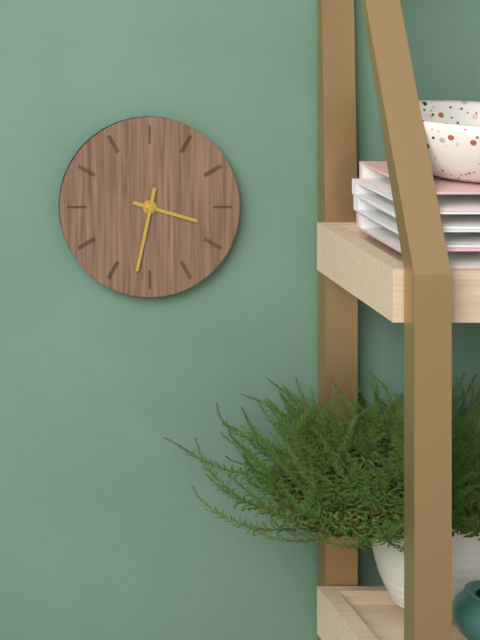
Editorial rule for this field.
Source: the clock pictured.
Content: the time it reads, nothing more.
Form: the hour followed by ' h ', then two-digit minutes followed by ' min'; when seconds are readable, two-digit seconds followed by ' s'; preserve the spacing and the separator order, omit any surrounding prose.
3 h 32 min
